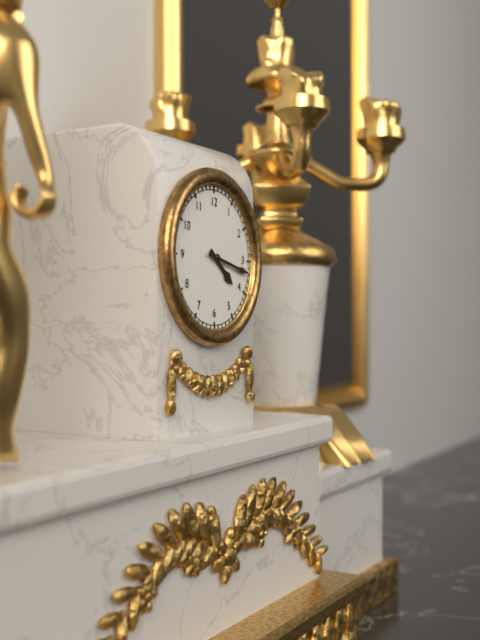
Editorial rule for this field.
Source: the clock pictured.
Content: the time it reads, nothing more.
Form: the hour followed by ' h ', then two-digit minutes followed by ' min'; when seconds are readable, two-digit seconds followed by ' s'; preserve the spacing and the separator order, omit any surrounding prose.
4 h 17 min
